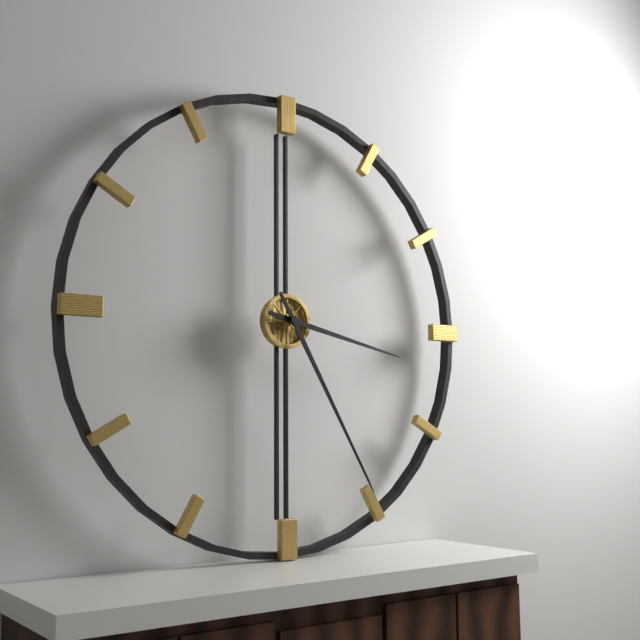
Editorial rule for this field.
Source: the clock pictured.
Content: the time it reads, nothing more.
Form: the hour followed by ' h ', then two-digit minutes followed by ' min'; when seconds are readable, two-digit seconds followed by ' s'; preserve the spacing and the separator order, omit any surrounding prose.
3 h 25 min
